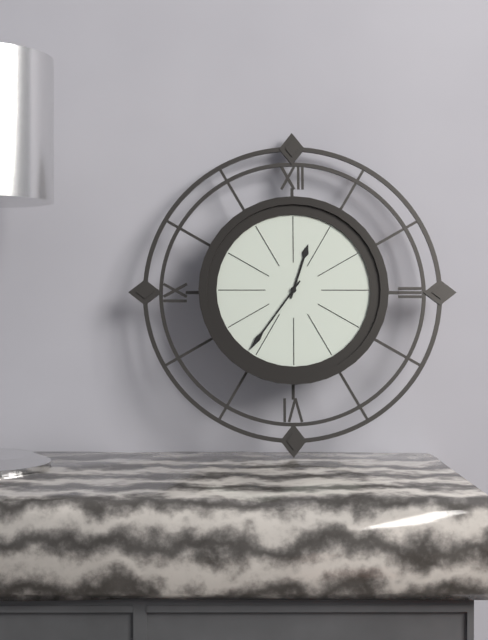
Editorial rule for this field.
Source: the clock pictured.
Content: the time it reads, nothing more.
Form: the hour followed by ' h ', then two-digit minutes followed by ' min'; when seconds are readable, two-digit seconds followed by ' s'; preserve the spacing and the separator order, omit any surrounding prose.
12 h 36 min
